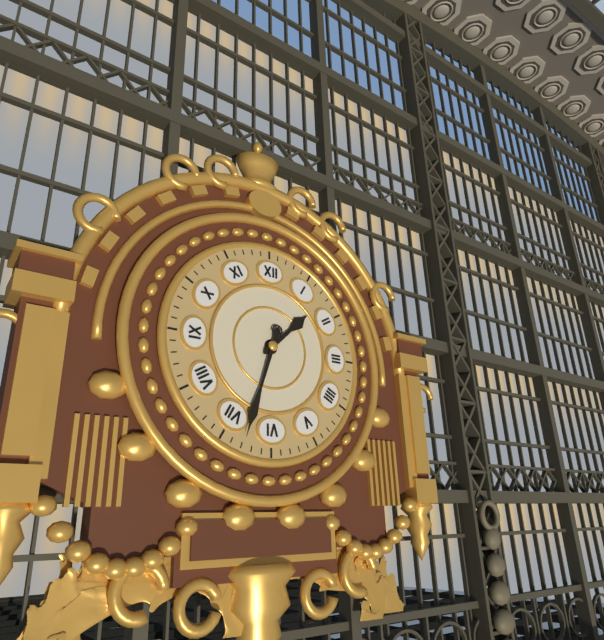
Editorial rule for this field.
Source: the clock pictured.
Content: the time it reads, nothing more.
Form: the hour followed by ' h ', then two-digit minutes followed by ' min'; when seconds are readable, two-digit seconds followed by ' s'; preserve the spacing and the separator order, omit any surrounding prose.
1 h 33 min
